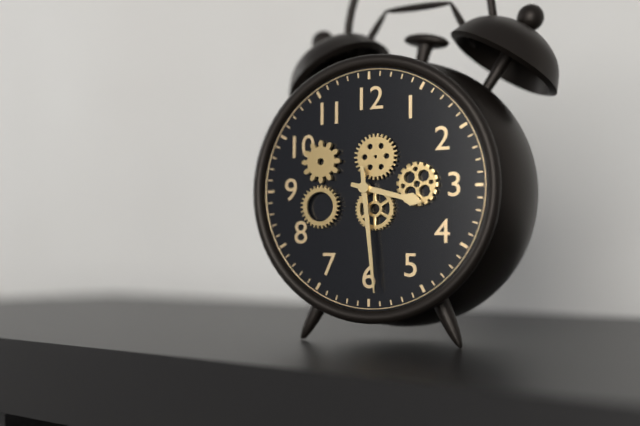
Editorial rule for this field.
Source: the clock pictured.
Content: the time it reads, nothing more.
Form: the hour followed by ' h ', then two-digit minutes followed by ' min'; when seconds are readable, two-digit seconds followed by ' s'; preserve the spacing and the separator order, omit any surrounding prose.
3 h 29 min
